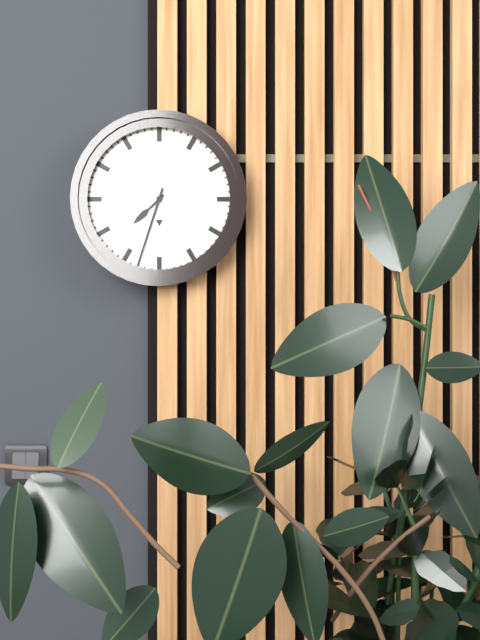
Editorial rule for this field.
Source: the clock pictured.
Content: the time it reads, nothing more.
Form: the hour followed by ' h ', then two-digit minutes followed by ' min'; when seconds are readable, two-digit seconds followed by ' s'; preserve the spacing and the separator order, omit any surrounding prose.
7 h 33 min
